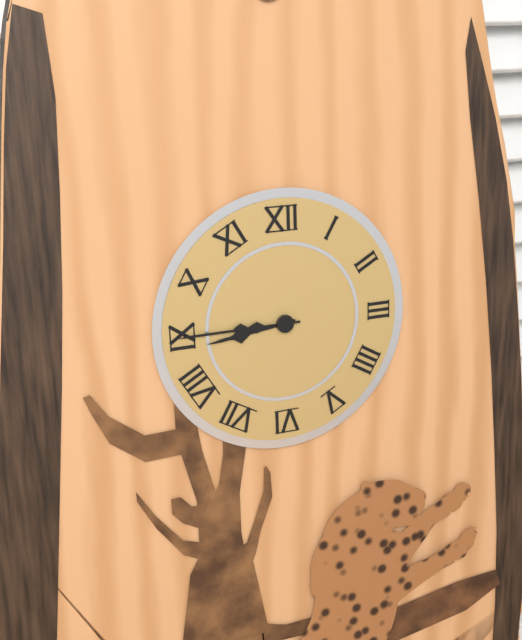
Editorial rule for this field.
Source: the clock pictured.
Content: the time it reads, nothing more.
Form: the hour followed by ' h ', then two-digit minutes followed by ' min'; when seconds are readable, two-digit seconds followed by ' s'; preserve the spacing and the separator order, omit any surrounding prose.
8 h 45 min
